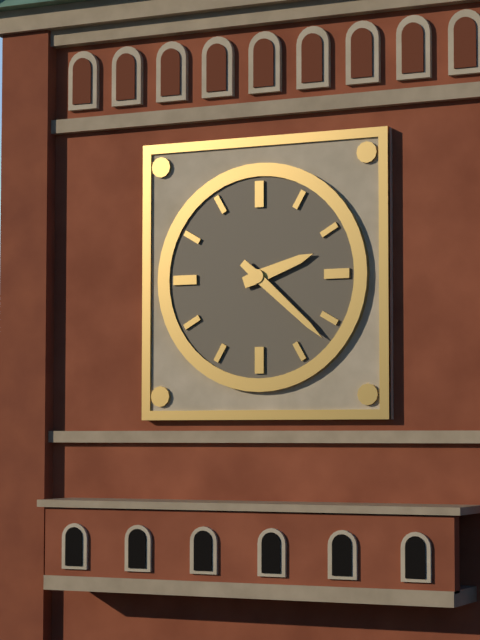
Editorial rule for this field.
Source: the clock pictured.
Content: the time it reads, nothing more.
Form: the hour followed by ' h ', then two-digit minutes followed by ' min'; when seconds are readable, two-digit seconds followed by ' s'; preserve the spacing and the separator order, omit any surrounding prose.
2 h 22 min
